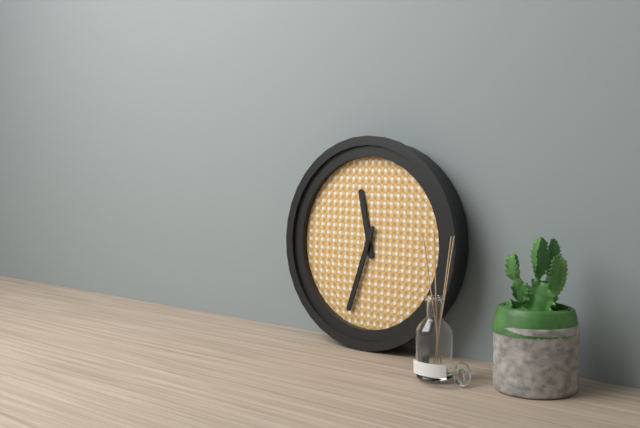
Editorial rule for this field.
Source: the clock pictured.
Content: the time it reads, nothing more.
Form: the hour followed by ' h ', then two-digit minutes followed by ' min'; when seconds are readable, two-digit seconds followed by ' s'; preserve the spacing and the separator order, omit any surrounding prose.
11 h 33 min
